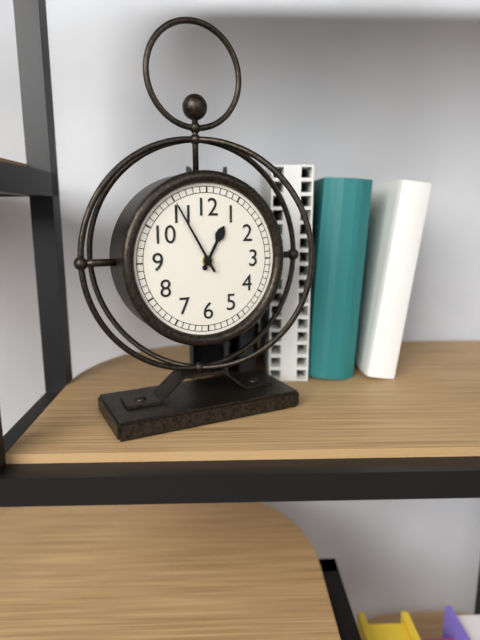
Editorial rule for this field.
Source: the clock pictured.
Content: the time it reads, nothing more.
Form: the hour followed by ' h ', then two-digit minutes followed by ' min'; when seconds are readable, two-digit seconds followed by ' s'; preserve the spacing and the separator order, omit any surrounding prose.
12 h 55 min
